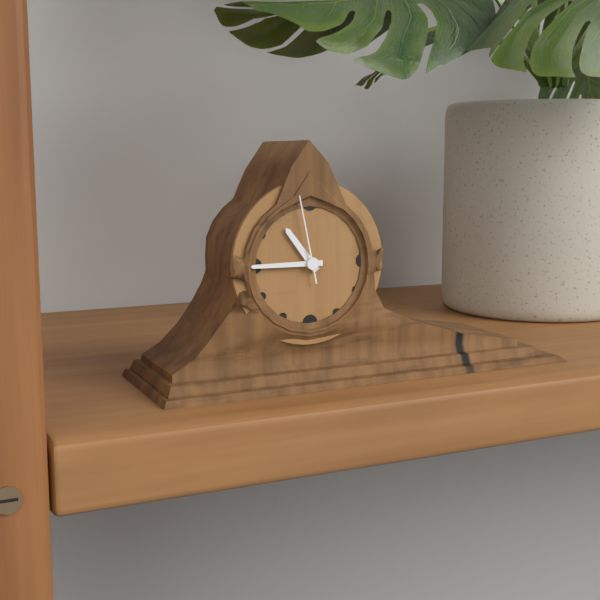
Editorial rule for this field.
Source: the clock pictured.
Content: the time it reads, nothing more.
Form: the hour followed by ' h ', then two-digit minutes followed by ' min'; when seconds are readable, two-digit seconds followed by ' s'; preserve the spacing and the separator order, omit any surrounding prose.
10 h 45 min 58 s
